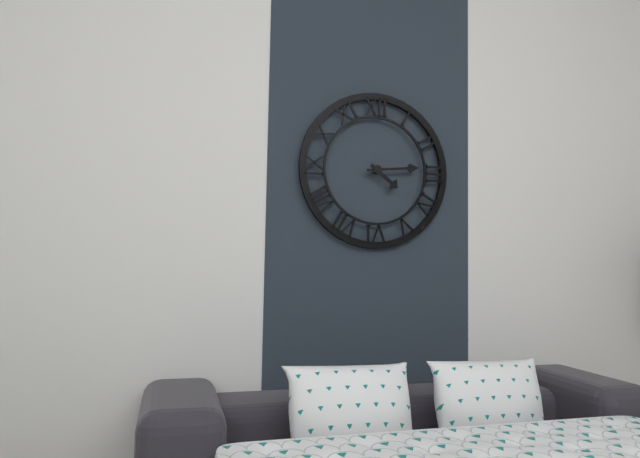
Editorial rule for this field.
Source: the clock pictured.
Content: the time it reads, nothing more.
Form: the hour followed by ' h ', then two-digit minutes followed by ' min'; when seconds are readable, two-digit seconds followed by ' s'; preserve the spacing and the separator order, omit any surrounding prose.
4 h 14 min
